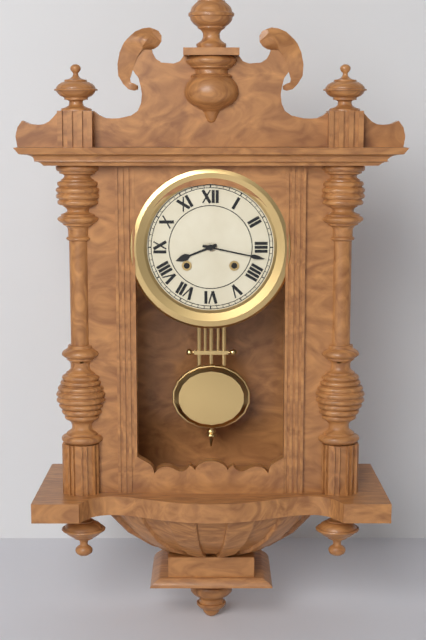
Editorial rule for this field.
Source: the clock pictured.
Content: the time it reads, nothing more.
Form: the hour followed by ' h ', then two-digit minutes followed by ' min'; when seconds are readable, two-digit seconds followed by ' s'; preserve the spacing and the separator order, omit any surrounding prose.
8 h 17 min
